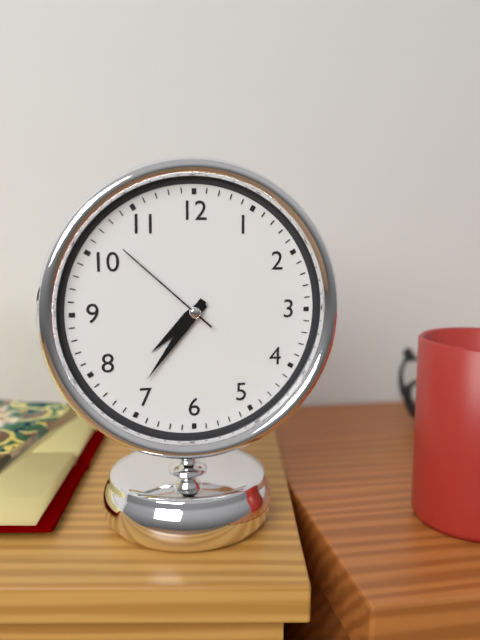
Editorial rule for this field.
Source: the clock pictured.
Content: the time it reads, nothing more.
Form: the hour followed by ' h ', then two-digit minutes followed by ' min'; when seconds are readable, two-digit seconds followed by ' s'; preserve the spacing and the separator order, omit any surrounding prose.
7 h 36 min 52 s
